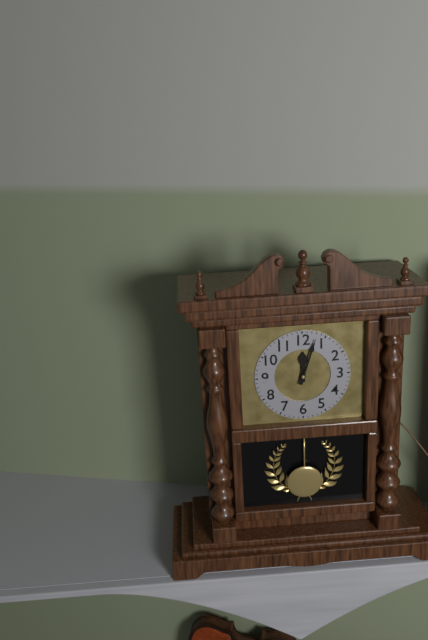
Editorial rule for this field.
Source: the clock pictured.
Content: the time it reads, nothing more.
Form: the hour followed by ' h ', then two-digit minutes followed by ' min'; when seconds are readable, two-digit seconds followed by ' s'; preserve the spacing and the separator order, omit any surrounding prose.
12 h 03 min
